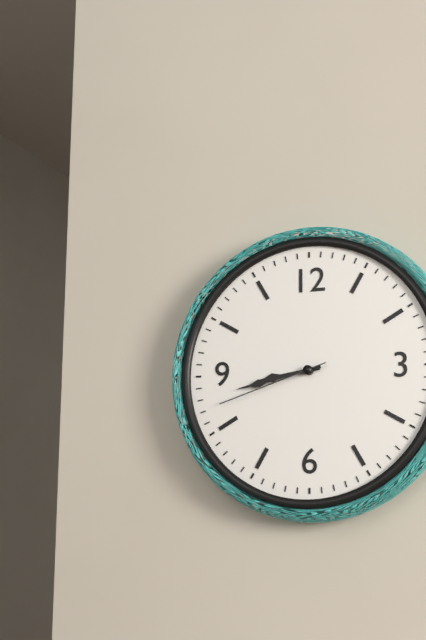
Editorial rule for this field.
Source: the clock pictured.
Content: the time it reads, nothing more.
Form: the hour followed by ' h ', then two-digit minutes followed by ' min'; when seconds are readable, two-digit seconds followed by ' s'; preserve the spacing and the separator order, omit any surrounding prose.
8 h 43 min 42 s
